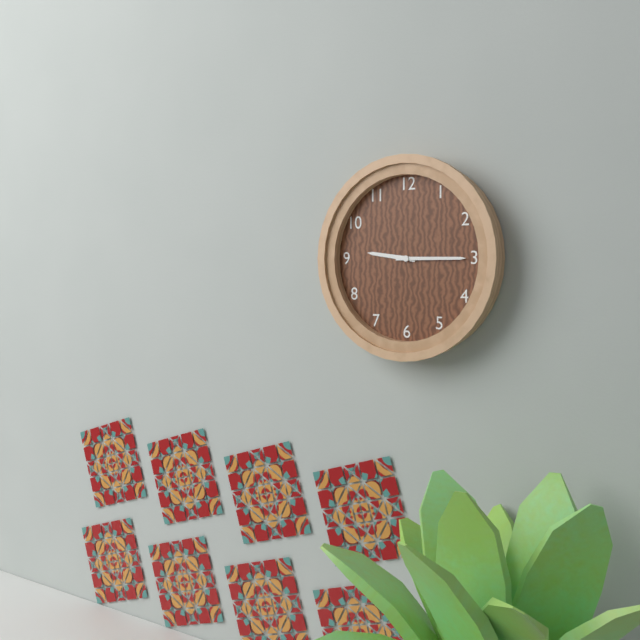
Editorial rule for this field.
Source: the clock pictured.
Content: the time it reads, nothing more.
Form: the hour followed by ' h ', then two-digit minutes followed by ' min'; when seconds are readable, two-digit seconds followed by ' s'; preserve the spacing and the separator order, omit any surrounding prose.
9 h 15 min
